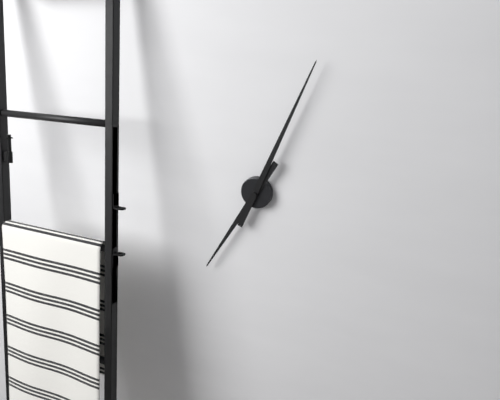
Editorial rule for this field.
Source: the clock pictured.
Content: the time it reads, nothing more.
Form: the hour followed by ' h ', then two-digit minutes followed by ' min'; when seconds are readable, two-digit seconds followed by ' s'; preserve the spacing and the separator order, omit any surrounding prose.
7 h 04 min
